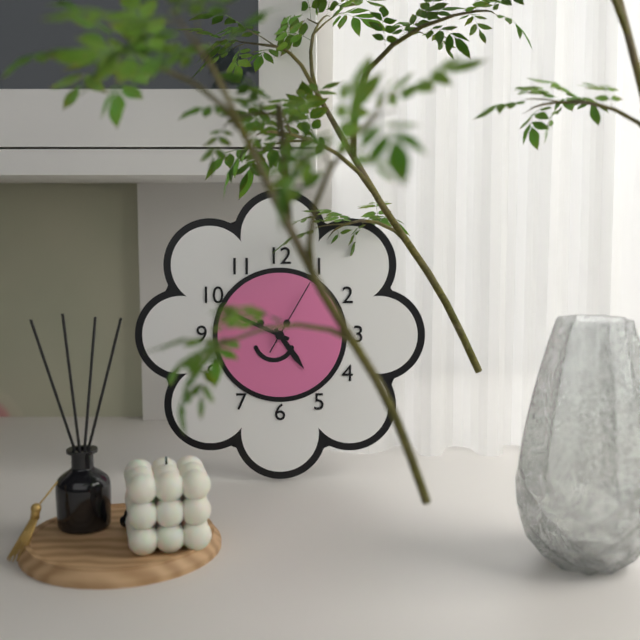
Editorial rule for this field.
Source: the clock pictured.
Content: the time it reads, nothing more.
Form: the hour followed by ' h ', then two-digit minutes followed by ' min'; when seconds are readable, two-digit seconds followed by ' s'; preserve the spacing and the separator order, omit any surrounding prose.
4 h 49 min 05 s
